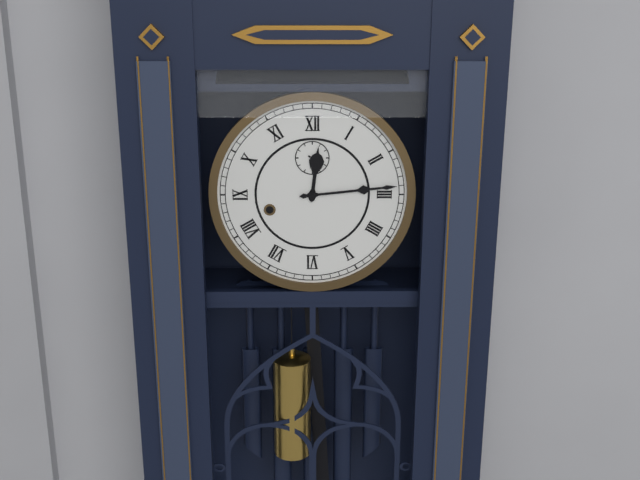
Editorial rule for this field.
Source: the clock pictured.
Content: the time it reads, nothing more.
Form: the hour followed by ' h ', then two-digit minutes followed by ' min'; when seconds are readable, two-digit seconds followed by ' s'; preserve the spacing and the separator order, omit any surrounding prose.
12 h 14 min
